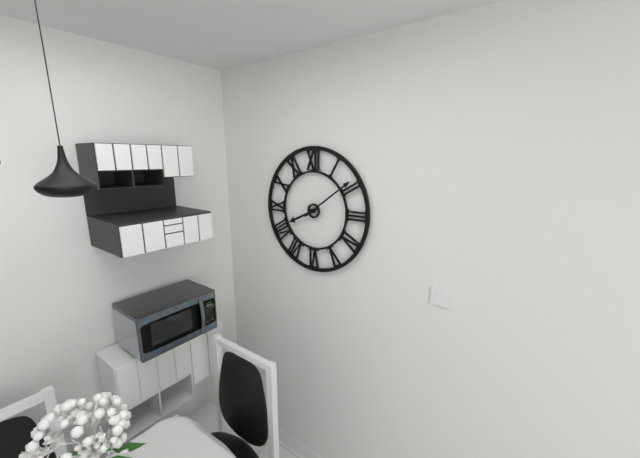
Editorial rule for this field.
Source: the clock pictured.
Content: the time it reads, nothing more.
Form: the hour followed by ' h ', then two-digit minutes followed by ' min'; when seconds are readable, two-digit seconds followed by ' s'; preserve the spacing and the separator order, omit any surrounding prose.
8 h 09 min
